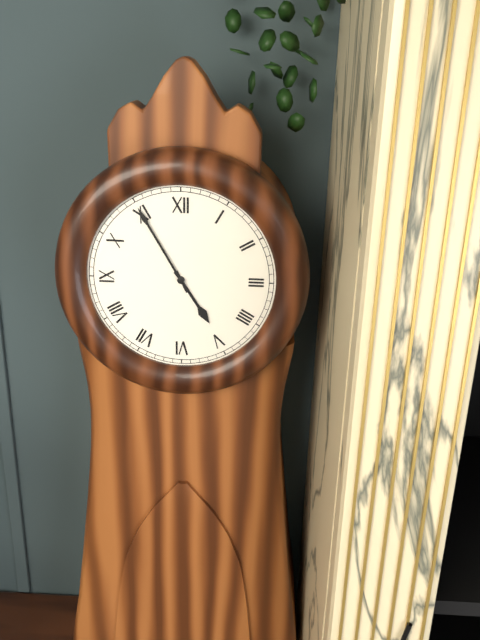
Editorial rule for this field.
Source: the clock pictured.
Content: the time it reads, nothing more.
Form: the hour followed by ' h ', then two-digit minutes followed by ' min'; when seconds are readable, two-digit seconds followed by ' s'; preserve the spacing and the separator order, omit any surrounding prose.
4 h 55 min
